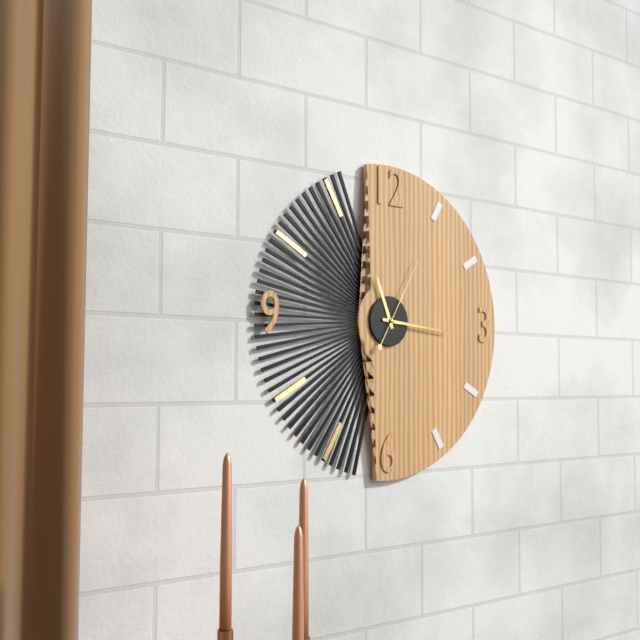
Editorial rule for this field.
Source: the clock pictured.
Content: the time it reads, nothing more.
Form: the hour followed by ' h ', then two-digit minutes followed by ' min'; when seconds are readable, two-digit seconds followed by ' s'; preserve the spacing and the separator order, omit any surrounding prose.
11 h 16 min 05 s
